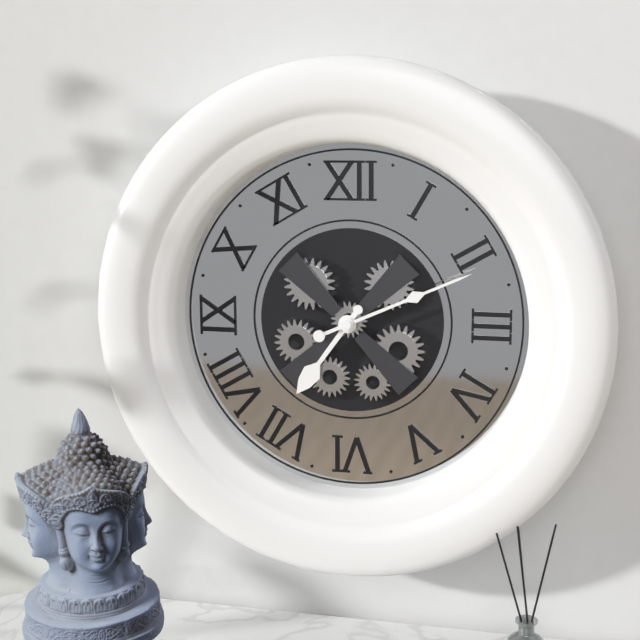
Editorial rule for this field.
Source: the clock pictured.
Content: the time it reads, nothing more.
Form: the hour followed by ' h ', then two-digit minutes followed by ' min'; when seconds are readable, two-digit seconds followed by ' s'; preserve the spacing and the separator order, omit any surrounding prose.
7 h 11 min
